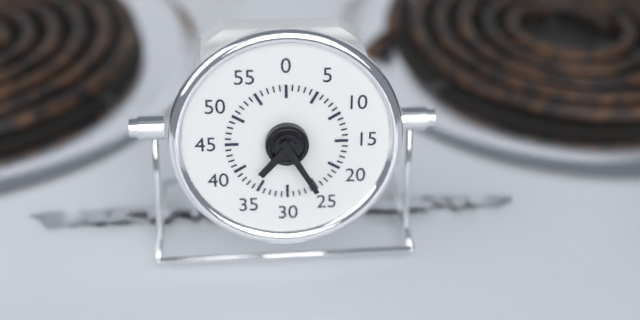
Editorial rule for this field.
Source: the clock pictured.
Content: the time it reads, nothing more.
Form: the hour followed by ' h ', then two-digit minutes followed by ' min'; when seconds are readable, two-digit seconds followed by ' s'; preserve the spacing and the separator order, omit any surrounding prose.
7 h 25 min
